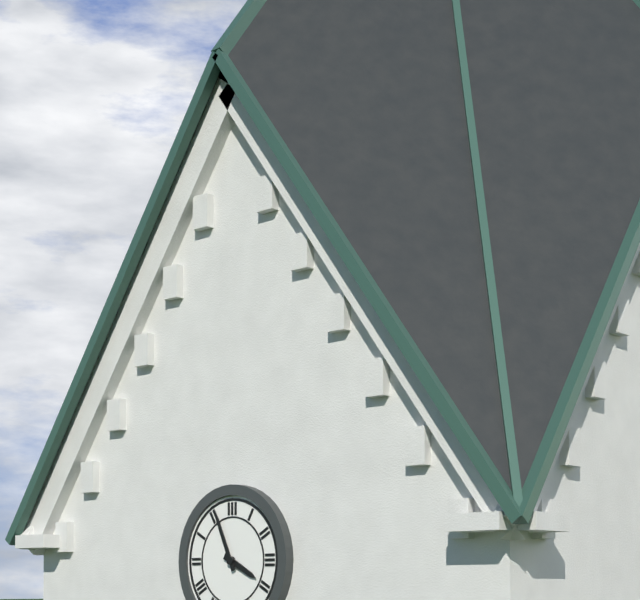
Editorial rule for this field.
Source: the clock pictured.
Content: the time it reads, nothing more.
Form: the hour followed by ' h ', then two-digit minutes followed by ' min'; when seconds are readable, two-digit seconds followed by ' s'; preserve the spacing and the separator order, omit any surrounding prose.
3 h 56 min
